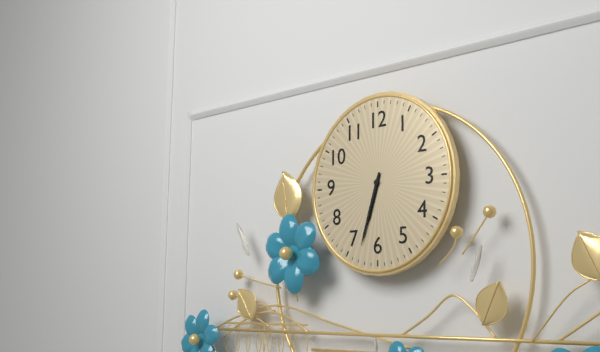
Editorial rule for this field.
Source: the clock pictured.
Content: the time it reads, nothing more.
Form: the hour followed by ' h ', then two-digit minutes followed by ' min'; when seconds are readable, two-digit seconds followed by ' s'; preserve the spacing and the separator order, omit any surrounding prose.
6 h 33 min
